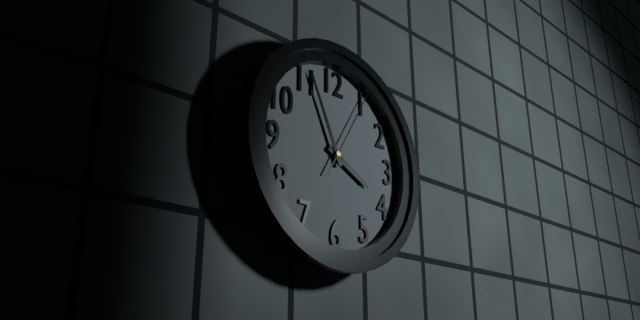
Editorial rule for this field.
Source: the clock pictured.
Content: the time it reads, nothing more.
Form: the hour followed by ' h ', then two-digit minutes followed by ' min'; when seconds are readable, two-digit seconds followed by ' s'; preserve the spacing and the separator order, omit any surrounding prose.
3 h 56 min 05 s
